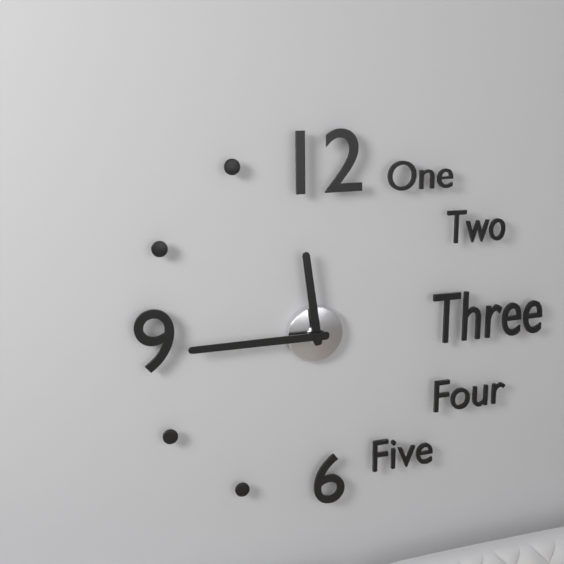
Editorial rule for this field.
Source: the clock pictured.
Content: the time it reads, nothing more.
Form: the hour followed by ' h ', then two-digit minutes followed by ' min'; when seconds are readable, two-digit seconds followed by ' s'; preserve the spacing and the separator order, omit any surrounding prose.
11 h 45 min
